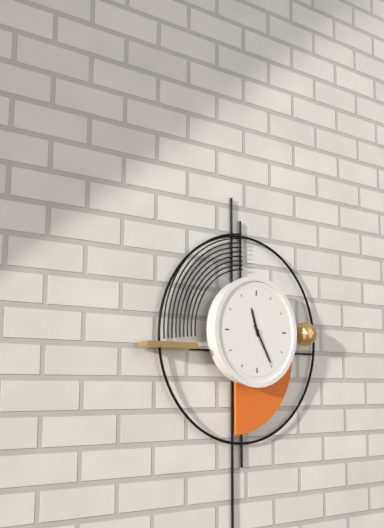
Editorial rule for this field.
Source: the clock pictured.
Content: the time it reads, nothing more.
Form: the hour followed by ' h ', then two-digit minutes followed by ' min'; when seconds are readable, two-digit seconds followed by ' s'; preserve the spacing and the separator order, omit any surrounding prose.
11 h 25 min
